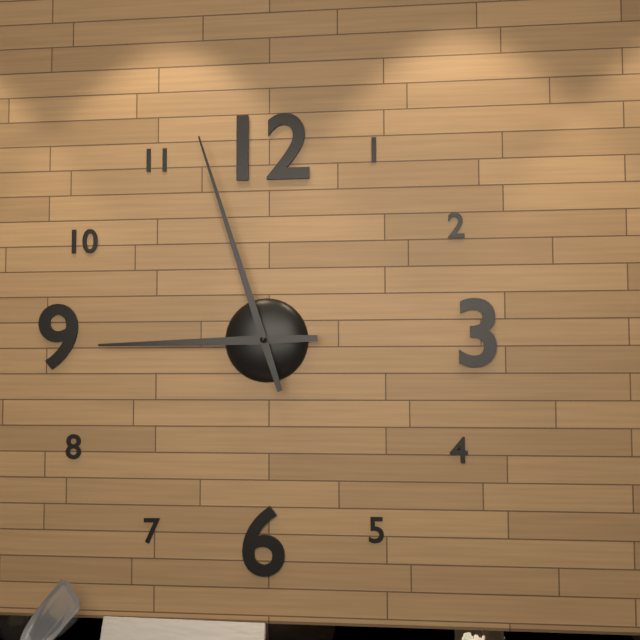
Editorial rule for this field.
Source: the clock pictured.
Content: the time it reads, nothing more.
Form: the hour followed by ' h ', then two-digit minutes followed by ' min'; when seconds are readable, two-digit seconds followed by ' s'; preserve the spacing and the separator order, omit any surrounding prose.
8 h 57 min
